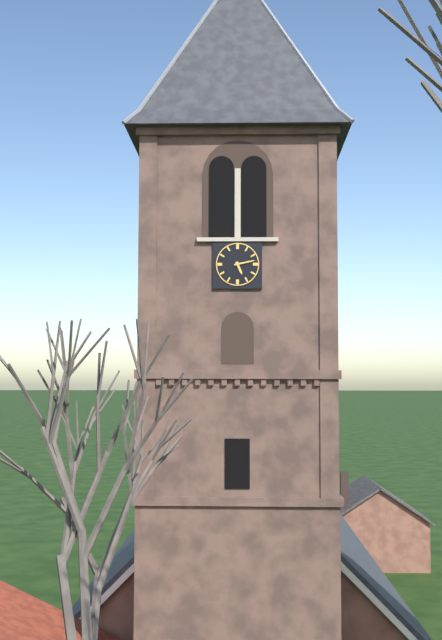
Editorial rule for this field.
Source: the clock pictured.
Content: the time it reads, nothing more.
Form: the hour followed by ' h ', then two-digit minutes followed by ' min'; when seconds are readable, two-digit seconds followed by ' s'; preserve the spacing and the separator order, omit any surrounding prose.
5 h 13 min
